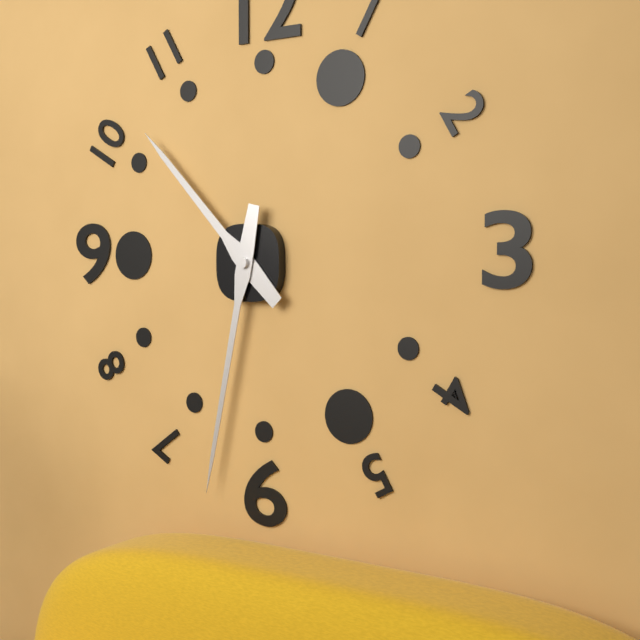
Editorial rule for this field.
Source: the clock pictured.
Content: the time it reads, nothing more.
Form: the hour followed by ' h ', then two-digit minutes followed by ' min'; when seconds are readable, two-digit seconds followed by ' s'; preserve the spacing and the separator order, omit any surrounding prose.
10 h 32 min
